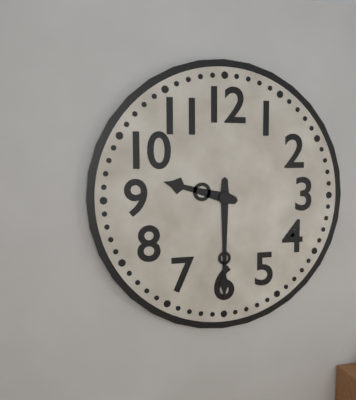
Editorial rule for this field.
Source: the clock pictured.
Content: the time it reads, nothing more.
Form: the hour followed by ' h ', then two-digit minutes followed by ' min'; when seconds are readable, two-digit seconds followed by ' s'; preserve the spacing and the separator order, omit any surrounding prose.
9 h 30 min
